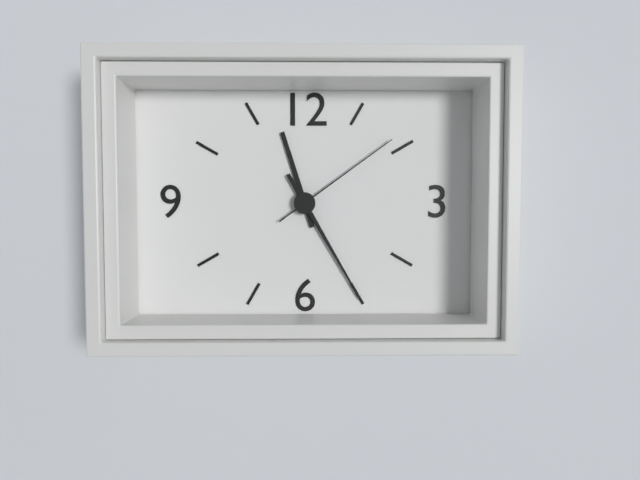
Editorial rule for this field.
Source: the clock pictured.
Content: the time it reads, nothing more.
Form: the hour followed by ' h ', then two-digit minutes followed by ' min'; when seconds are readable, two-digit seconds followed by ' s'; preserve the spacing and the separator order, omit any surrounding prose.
11 h 25 min 09 s
